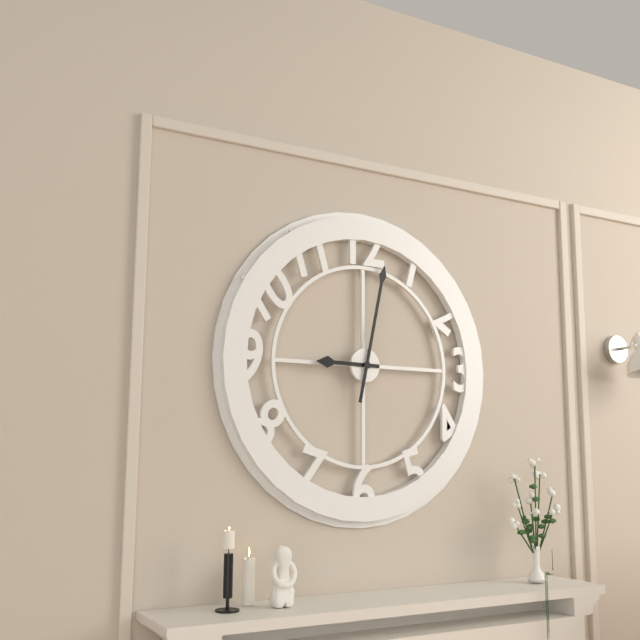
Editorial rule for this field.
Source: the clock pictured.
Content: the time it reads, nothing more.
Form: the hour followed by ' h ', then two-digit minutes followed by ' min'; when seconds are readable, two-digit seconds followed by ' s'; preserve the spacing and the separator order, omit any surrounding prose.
9 h 02 min
